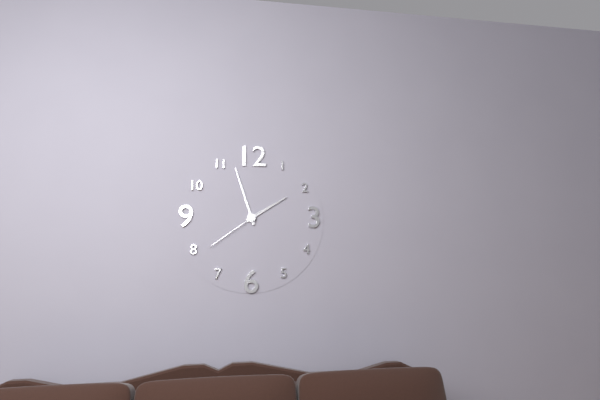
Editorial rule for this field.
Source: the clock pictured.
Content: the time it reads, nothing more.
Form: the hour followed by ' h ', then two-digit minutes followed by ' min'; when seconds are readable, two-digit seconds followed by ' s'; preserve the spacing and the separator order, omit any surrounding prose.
1 h 57 min 39 s
